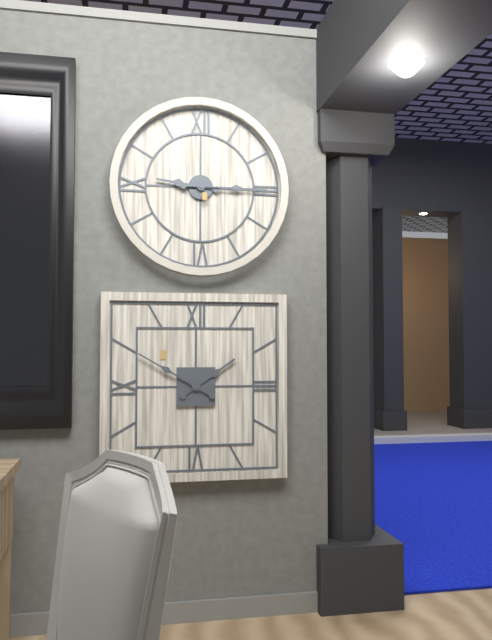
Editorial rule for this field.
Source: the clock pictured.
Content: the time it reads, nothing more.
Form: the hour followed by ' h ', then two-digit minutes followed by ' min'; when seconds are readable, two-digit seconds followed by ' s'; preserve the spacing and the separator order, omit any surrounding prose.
9 h 15 min
